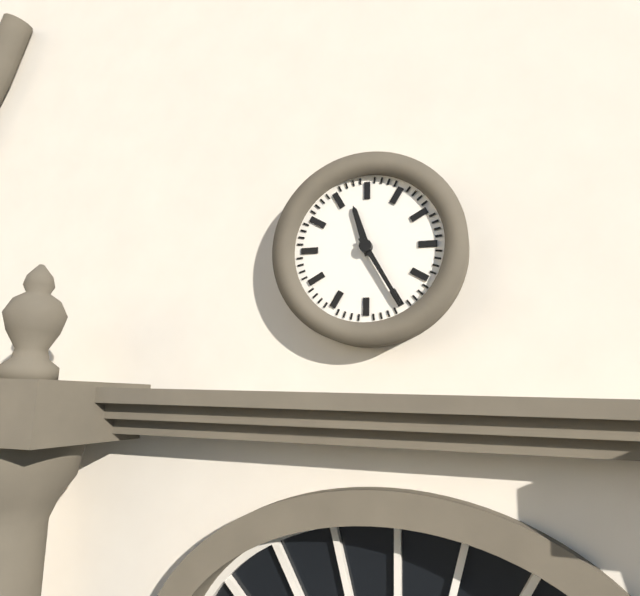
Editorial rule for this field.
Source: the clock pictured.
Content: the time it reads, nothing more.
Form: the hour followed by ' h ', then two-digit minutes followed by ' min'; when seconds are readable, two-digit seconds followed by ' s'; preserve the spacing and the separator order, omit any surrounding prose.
11 h 25 min
